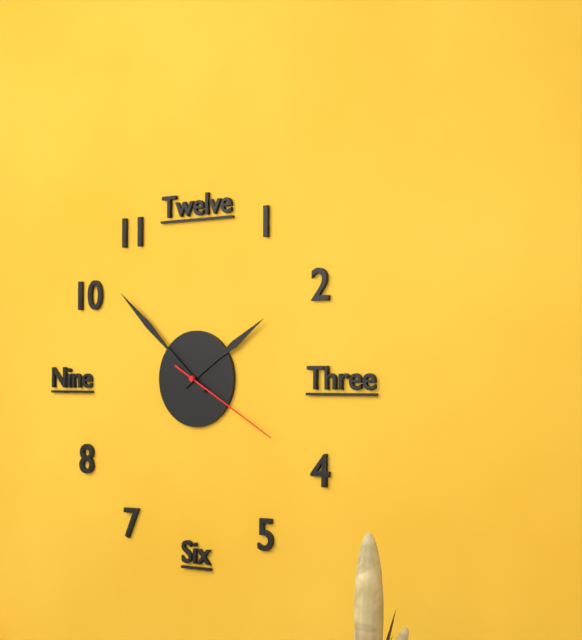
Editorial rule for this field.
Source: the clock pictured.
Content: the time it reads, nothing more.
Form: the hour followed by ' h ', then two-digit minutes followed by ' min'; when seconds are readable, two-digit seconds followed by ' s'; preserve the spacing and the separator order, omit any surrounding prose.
1 h 52 min 20 s
